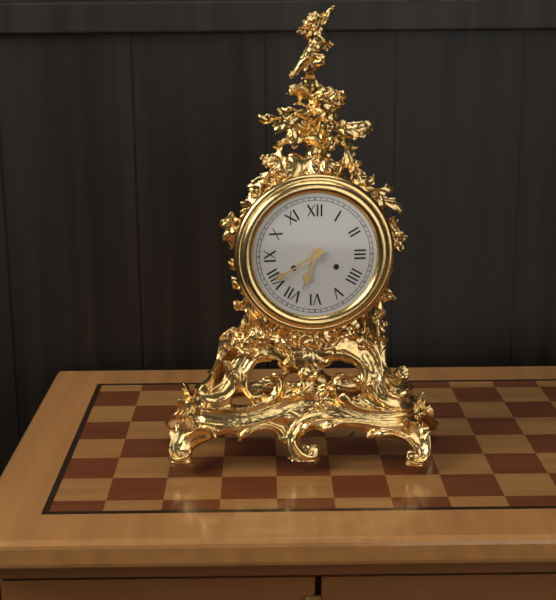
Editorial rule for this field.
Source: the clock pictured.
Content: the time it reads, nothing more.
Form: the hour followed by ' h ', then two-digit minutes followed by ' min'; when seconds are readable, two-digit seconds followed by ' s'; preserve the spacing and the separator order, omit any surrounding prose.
6 h 40 min
